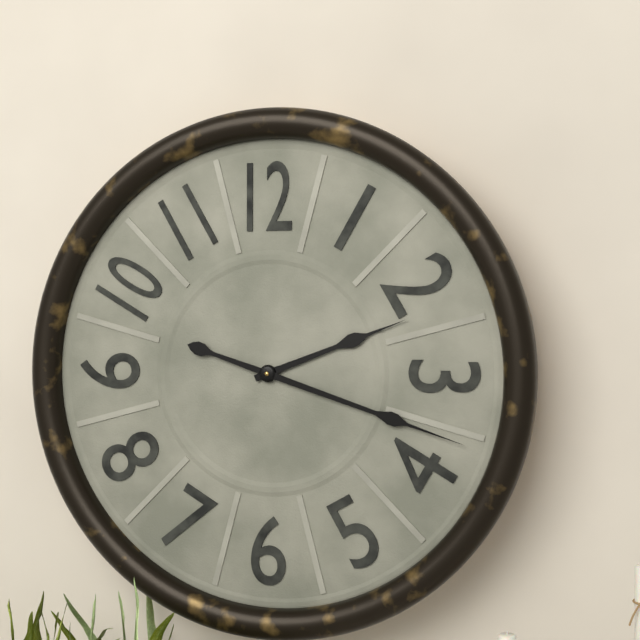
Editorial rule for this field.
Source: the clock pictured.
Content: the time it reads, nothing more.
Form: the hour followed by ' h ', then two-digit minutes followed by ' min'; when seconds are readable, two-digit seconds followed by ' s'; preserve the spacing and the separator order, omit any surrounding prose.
2 h 18 min
